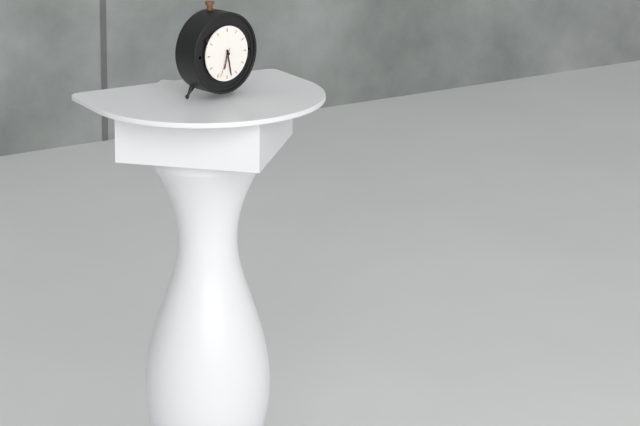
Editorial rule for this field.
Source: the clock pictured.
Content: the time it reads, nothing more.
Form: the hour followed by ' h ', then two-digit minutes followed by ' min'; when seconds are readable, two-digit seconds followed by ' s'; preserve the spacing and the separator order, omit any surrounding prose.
6 h 28 min
